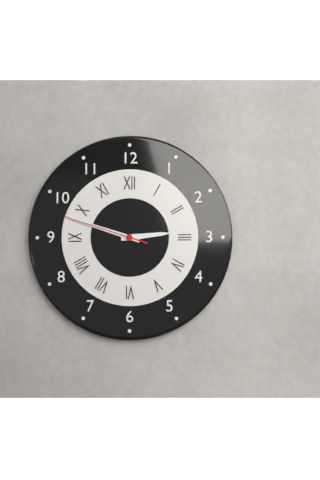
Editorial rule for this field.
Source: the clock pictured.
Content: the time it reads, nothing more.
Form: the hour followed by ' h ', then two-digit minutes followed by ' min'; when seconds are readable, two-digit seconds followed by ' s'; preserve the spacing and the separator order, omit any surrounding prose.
2 h 48 min 48 s
